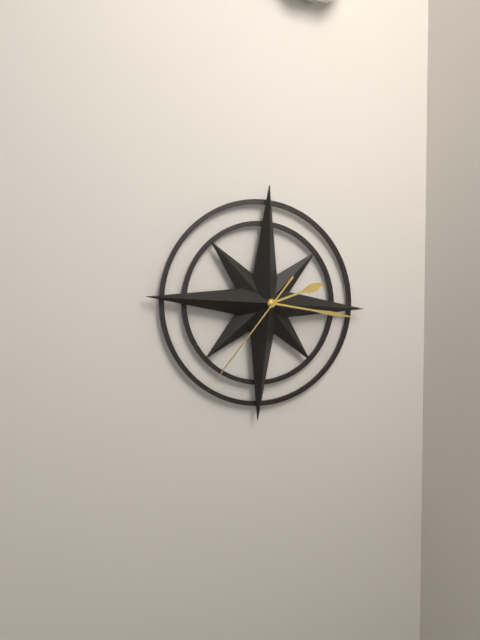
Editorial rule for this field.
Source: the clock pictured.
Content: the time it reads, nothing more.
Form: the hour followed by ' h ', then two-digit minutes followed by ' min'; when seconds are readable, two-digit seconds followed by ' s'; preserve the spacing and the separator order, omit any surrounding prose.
2 h 16 min 36 s
